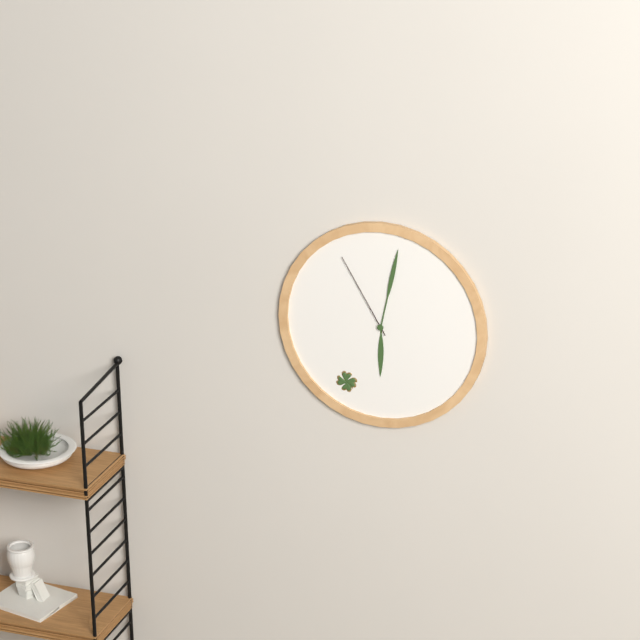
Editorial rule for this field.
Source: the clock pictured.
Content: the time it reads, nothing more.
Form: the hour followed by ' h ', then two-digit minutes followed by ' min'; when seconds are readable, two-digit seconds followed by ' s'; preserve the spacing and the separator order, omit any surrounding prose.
6 h 02 min 55 s
